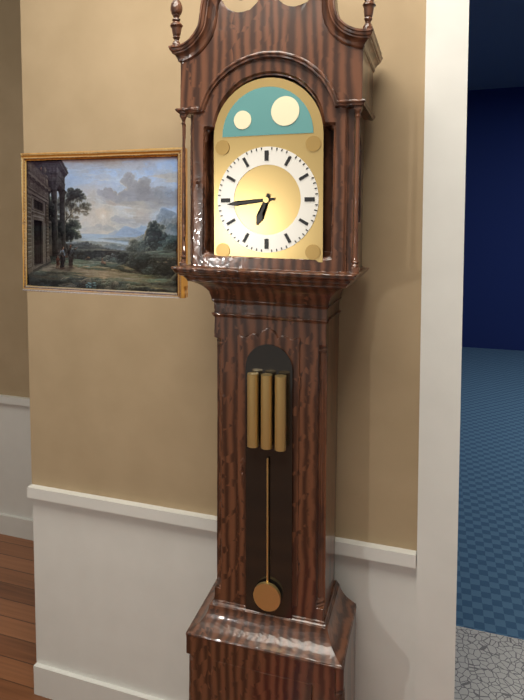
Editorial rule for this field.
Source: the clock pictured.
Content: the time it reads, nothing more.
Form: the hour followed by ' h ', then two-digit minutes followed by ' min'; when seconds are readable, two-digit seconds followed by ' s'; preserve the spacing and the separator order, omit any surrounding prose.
6 h 44 min
